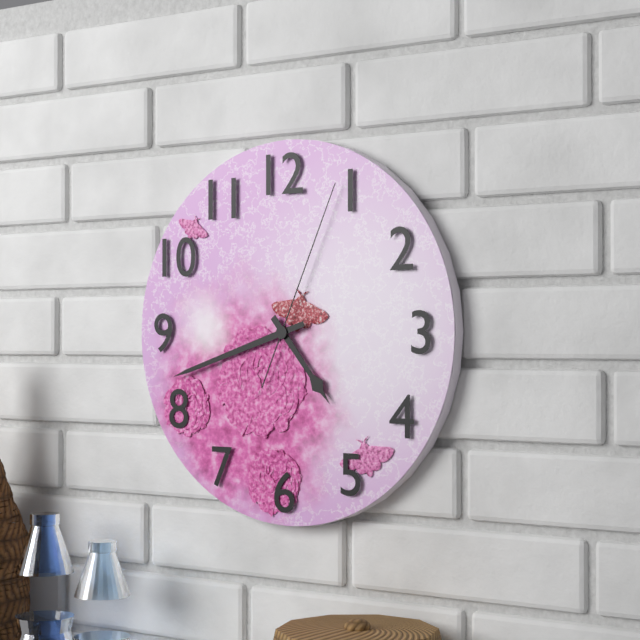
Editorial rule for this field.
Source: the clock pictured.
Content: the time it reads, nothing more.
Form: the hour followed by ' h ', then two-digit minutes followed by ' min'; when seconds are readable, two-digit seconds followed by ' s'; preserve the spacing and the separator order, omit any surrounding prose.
4 h 42 min 04 s
